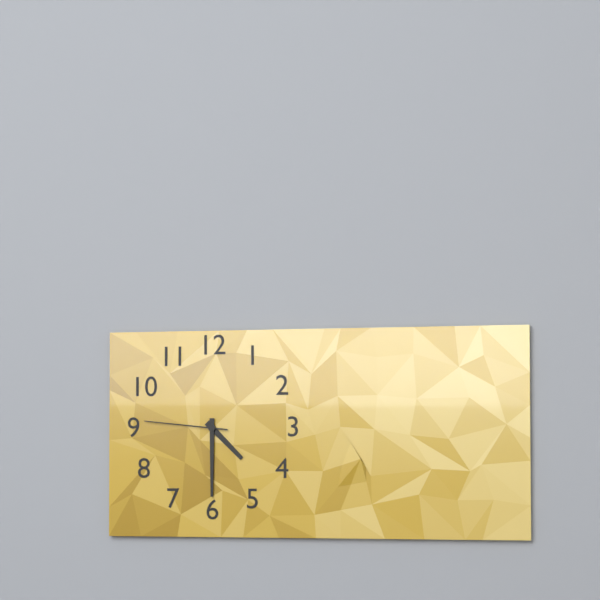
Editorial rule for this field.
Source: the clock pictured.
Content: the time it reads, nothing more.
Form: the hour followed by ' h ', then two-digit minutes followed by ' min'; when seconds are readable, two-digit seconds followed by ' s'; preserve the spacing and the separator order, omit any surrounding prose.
4 h 30 min 46 s
